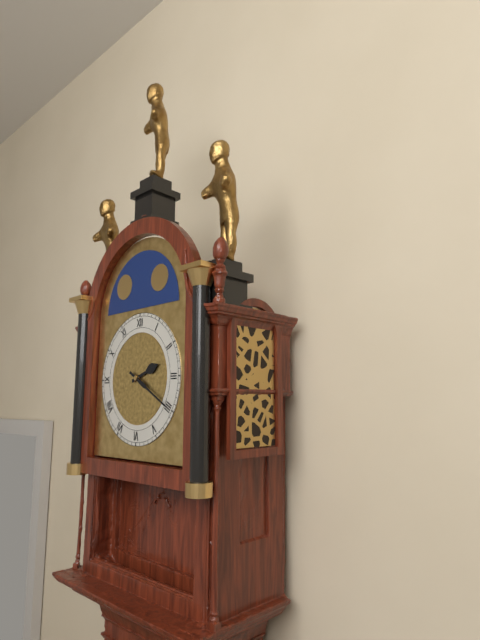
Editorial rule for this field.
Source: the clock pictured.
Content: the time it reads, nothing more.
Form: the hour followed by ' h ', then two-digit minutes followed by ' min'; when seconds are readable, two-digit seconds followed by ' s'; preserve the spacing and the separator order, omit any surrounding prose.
2 h 20 min
